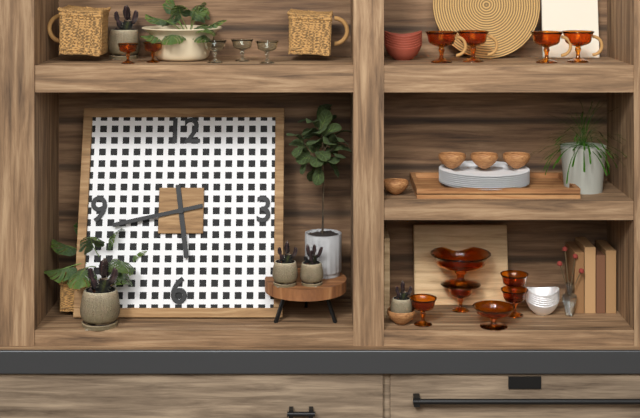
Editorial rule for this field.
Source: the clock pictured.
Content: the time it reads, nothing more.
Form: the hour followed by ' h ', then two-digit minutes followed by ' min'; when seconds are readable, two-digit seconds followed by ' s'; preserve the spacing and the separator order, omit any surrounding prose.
5 h 43 min
